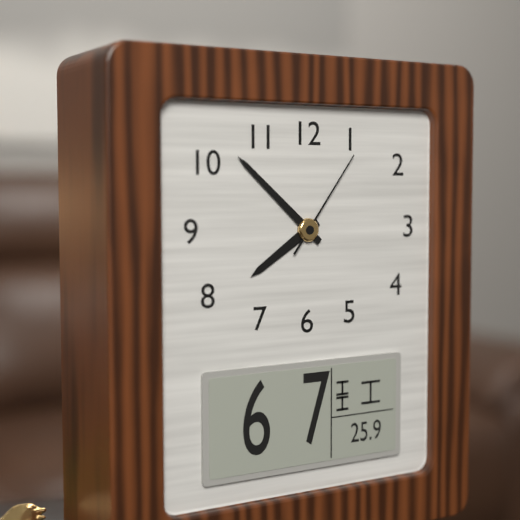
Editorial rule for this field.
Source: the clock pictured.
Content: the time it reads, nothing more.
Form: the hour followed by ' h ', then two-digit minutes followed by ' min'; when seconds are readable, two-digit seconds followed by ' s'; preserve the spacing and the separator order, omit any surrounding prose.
7 h 52 min 06 s
